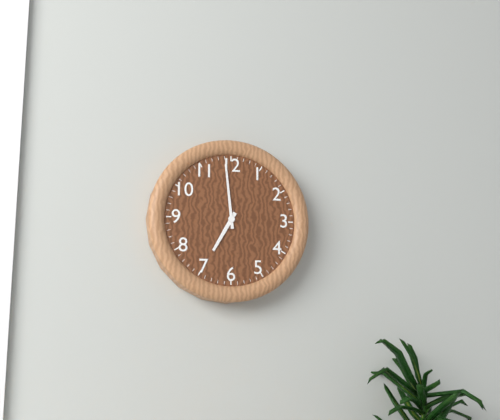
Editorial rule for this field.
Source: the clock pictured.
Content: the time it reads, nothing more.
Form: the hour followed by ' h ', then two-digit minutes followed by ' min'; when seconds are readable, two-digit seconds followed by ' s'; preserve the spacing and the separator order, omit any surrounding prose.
6 h 59 min
